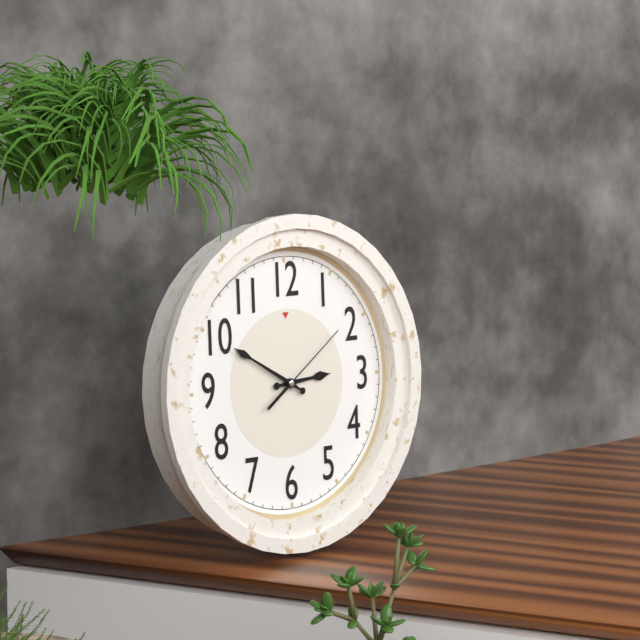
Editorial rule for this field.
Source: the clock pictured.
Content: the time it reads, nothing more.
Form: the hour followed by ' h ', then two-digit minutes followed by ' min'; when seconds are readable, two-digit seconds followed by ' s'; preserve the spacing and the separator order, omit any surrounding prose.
2 h 50 min 09 s
